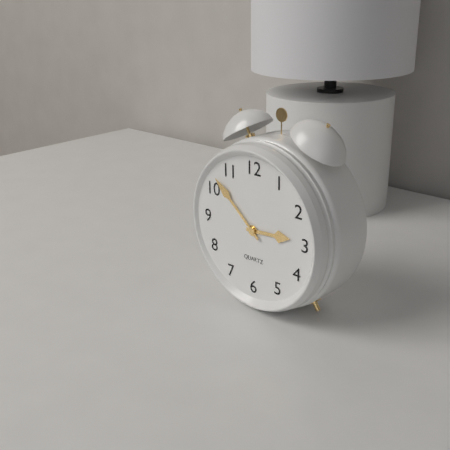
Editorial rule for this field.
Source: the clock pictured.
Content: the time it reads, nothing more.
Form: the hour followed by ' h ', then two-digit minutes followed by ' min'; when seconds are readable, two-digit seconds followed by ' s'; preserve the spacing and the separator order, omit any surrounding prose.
2 h 52 min
